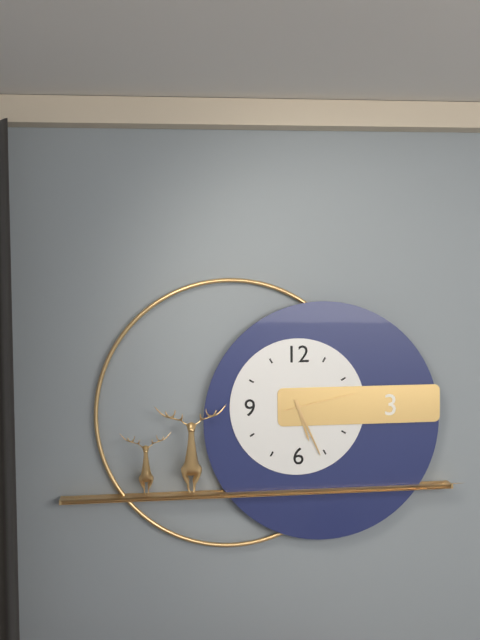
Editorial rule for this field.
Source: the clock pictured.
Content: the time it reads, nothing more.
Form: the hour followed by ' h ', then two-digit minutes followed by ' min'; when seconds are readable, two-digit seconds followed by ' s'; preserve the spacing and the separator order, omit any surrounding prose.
5 h 26 min 13 s
